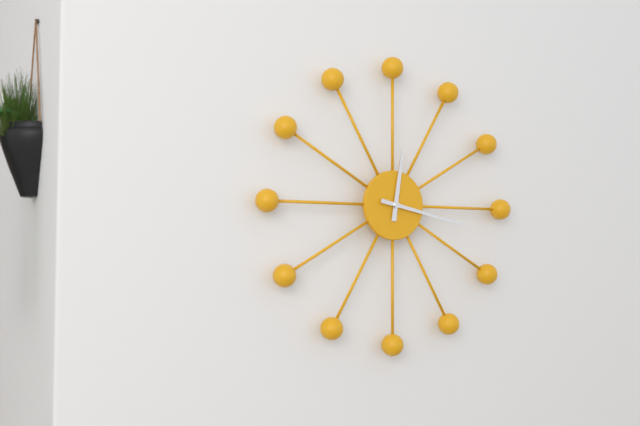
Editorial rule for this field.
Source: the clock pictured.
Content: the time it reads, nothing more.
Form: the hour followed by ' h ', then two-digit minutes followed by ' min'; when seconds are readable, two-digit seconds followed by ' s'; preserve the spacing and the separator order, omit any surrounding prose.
12 h 17 min
